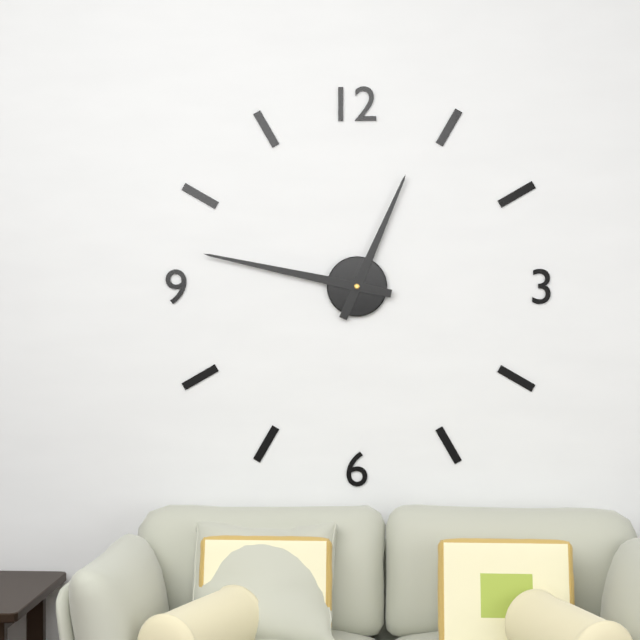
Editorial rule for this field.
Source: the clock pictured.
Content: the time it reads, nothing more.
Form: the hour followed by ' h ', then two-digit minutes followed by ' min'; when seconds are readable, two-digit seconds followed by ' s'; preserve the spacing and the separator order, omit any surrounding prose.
12 h 47 min
